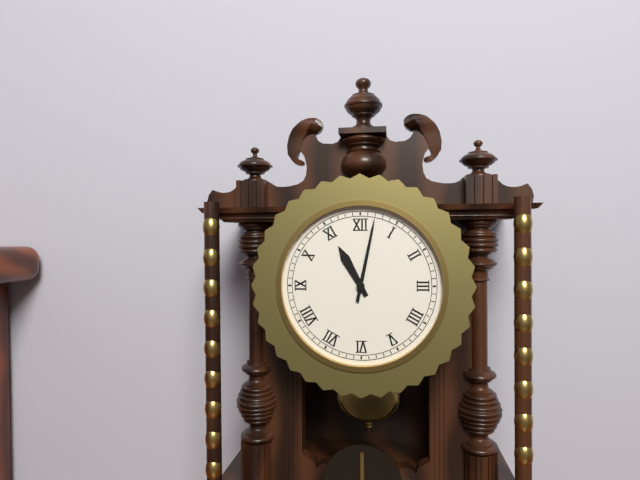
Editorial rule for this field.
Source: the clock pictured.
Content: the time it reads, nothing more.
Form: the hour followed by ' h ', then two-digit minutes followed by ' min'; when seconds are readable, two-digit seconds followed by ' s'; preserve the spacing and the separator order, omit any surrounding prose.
11 h 02 min
